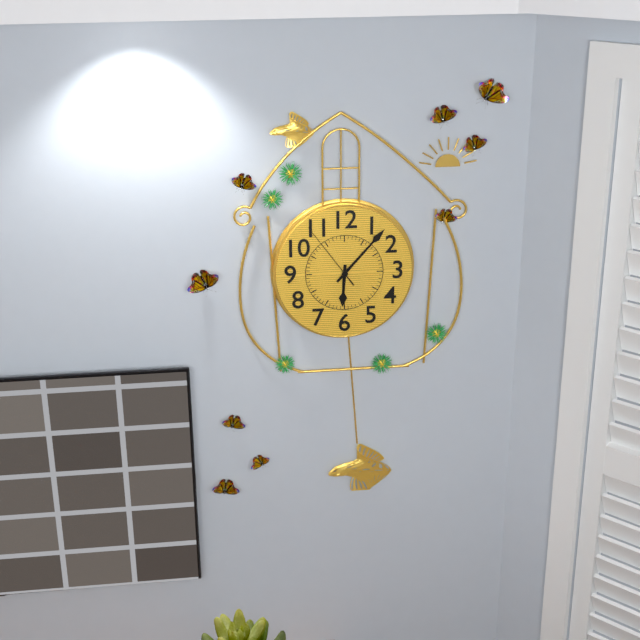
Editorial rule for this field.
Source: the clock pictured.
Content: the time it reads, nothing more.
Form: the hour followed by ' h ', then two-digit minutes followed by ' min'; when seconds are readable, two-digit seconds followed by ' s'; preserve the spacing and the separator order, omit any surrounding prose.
6 h 07 min 54 s
